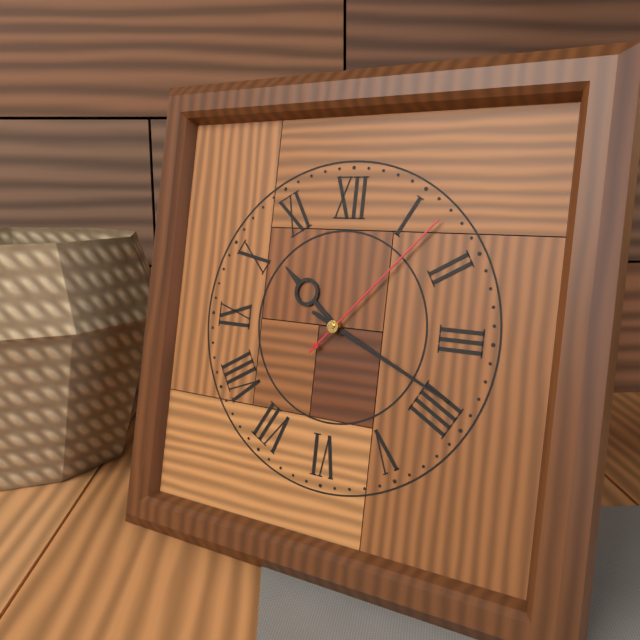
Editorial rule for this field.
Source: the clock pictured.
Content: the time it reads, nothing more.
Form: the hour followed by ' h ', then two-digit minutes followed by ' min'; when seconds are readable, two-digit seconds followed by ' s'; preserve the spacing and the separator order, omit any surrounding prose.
10 h 19 min 07 s
